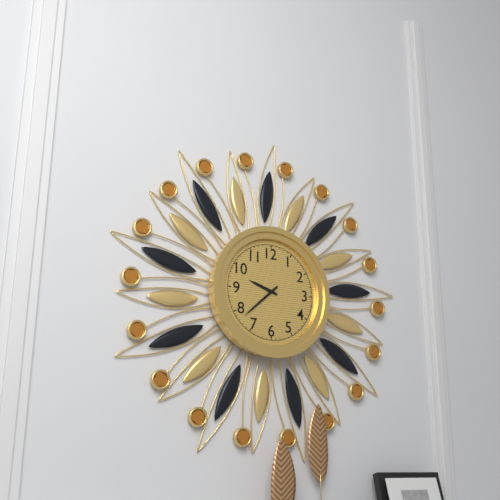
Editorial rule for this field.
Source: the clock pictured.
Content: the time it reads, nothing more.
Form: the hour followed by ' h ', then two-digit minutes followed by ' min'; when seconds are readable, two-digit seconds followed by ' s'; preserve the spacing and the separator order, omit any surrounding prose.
9 h 38 min
